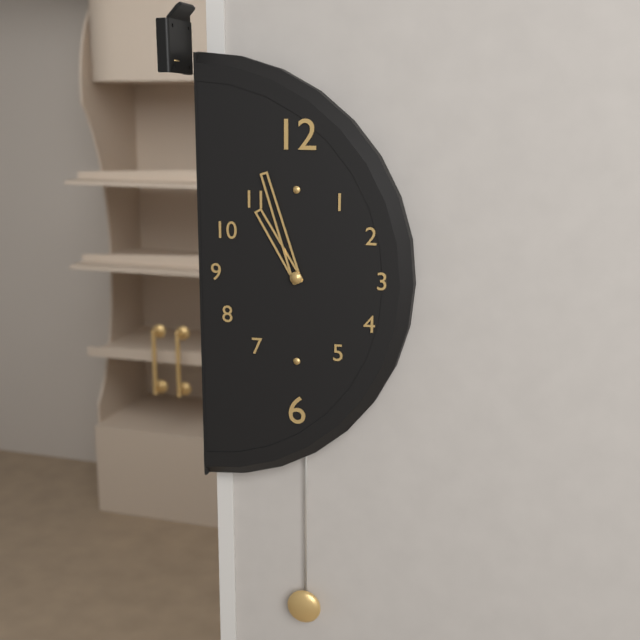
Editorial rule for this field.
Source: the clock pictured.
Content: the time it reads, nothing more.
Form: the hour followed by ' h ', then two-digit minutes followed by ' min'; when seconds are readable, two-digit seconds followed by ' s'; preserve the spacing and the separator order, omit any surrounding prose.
10 h 57 min
